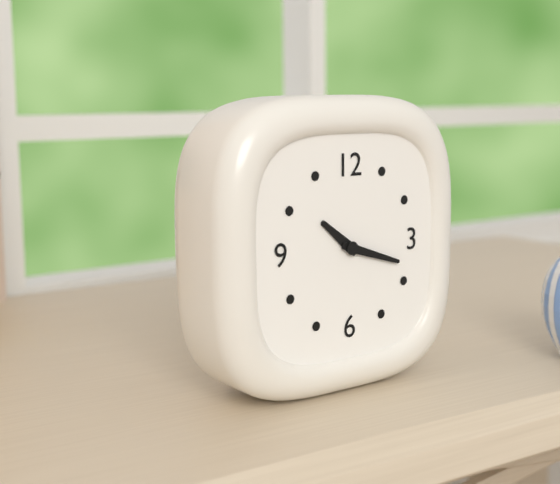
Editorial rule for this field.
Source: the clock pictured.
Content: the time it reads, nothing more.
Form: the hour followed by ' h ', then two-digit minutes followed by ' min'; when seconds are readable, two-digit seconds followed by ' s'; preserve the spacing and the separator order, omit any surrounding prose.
10 h 18 min
